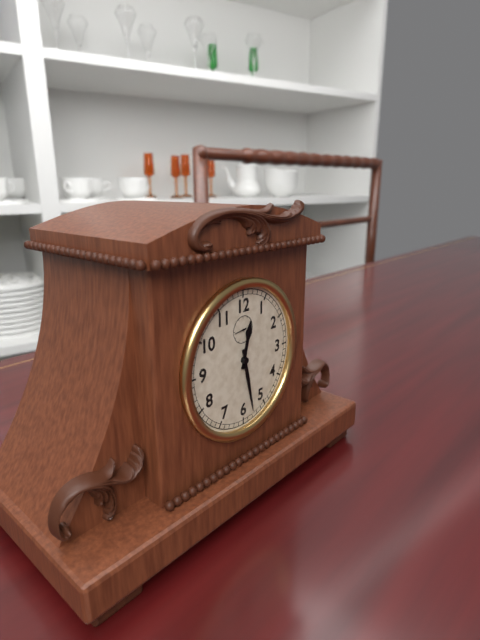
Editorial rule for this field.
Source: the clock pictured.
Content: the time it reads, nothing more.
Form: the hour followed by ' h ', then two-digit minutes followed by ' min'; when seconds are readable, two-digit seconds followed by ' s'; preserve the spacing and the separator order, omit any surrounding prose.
12 h 28 min
